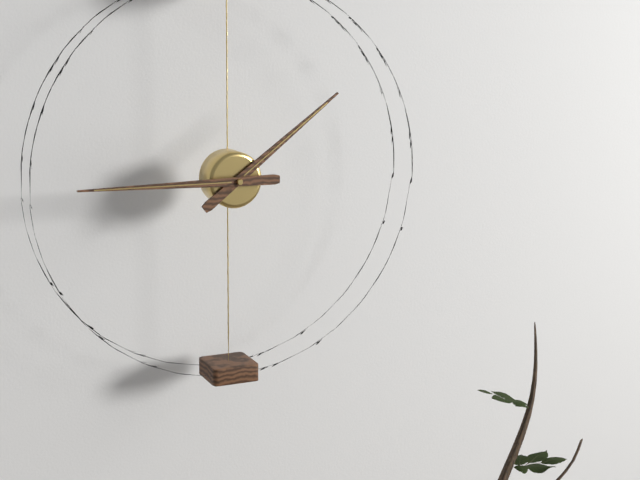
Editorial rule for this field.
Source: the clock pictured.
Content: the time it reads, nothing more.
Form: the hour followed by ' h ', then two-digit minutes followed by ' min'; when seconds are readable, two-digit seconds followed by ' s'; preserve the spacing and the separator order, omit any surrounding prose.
1 h 45 min
